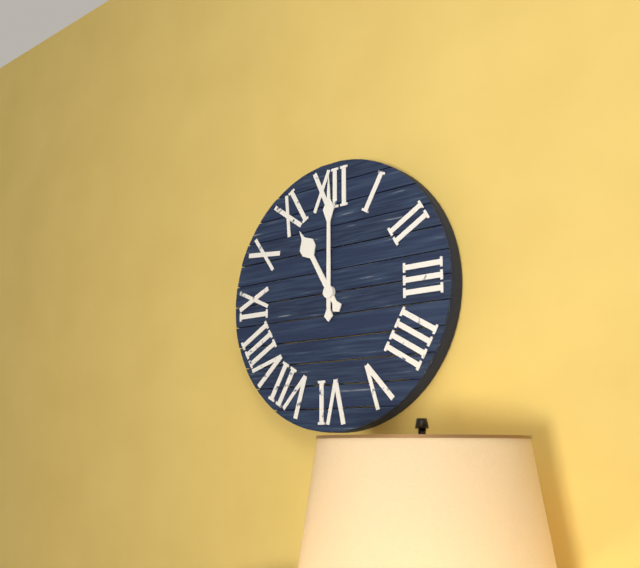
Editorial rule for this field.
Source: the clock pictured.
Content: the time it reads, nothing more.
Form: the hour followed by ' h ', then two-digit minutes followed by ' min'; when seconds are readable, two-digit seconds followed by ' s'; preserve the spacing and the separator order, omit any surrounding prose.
11 h 00 min
